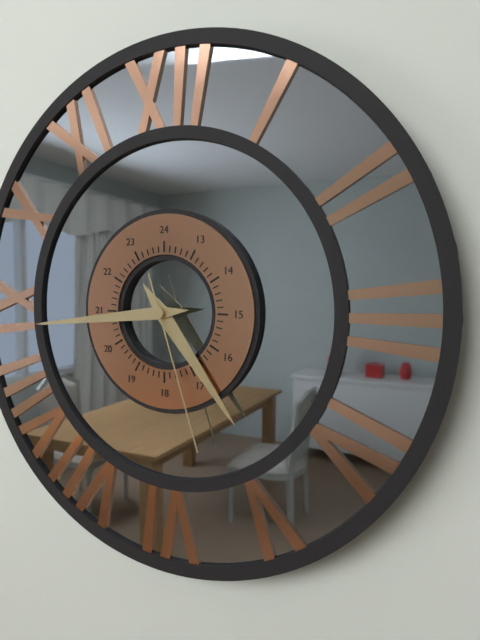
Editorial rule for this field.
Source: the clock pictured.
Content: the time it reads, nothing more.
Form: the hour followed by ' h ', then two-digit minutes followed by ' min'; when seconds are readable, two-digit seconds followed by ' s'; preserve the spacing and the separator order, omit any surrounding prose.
4 h 44 min 27 s
